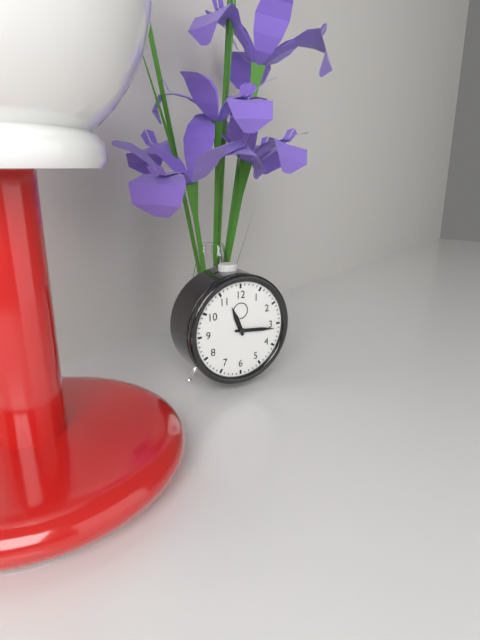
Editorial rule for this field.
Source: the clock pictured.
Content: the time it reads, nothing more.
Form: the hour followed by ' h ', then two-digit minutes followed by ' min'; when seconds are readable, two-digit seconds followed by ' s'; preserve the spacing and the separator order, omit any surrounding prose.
11 h 16 min
